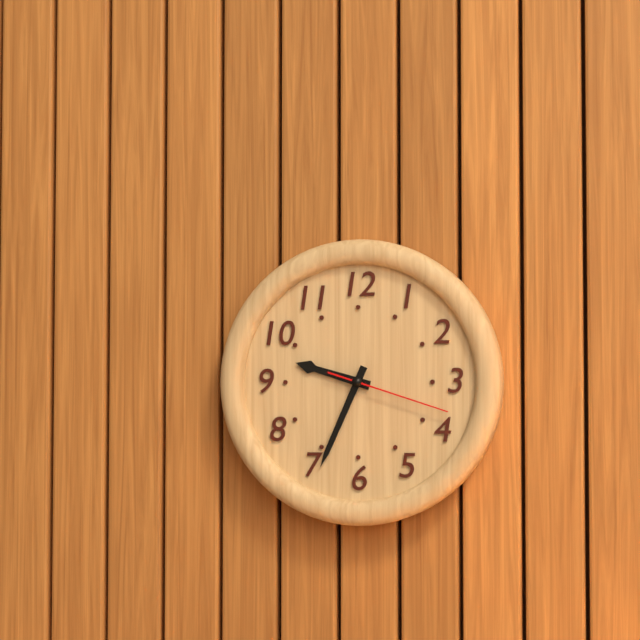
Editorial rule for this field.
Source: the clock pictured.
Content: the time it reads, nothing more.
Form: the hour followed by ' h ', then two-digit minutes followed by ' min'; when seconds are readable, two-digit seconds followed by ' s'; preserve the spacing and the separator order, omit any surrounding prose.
9 h 34 min 18 s
